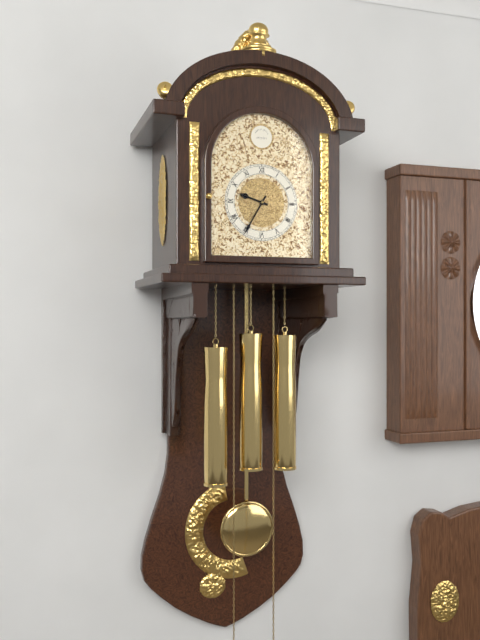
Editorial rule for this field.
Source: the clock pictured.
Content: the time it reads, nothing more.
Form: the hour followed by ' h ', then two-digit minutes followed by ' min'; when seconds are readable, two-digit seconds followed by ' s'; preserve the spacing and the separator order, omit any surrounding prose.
9 h 35 min
